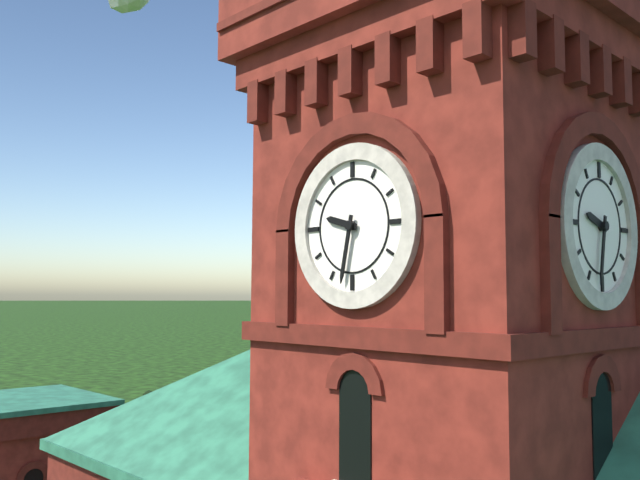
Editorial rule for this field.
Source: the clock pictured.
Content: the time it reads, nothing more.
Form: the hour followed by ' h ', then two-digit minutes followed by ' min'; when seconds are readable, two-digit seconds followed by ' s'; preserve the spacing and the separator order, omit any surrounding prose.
9 h 32 min
